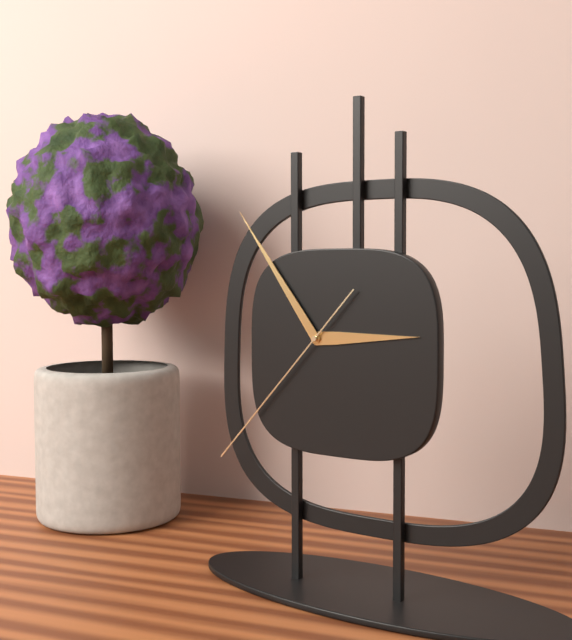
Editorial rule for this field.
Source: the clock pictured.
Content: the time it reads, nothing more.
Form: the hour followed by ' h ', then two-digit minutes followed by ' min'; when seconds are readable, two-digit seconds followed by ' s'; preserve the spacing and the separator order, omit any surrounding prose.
2 h 54 min 37 s
